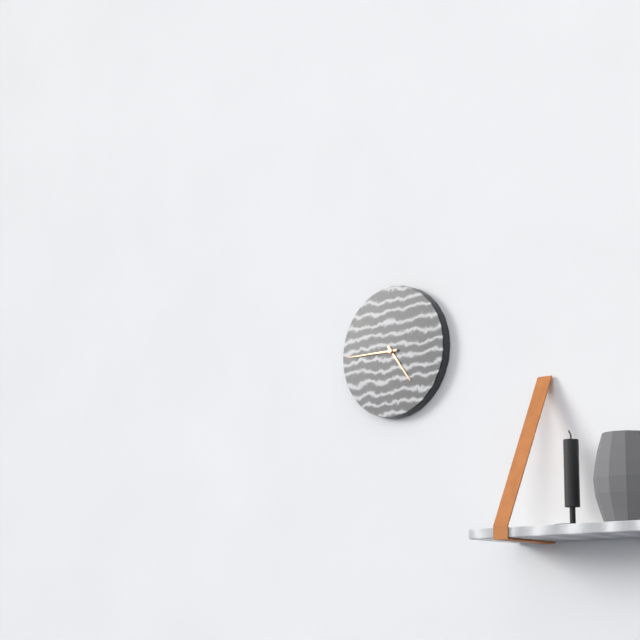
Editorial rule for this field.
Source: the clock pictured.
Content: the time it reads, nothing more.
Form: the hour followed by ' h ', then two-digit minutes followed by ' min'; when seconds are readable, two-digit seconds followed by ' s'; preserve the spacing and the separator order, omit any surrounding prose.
4 h 45 min
